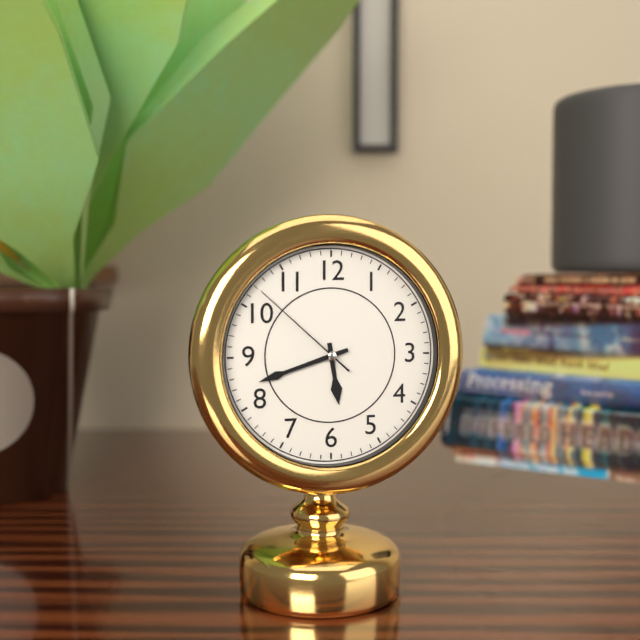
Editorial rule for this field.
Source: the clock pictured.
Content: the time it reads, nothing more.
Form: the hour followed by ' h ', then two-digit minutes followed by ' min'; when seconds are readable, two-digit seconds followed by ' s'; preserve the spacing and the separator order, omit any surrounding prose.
5 h 42 min 52 s
